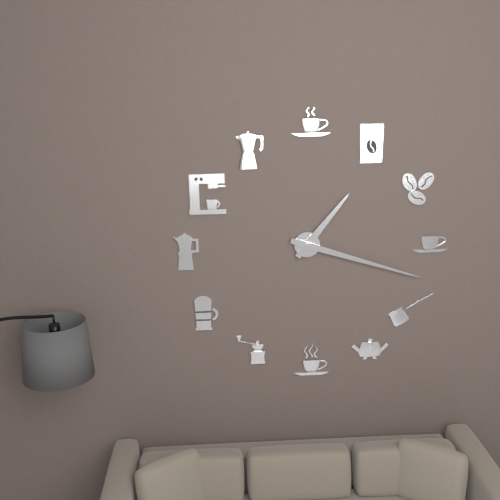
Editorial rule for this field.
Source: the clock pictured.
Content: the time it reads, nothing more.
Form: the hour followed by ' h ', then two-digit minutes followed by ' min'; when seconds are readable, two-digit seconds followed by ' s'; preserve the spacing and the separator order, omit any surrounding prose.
1 h 18 min
